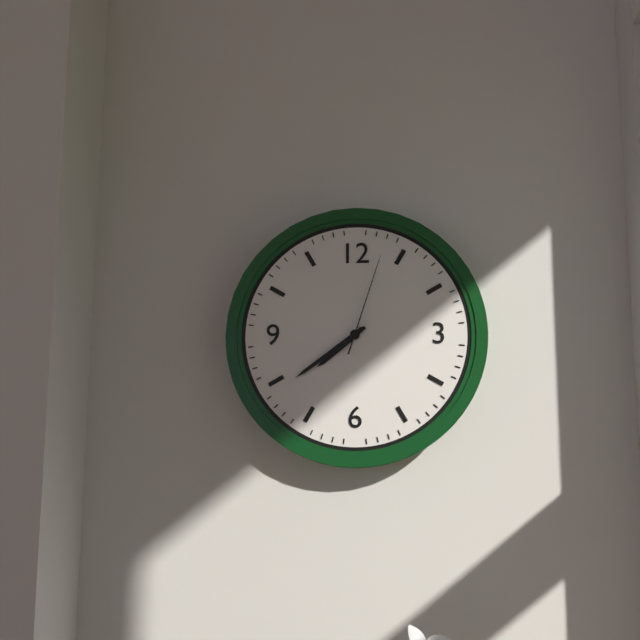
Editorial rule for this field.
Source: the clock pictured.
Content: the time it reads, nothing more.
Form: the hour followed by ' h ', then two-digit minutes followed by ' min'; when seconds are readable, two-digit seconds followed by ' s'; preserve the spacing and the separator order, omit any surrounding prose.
7 h 39 min 03 s
